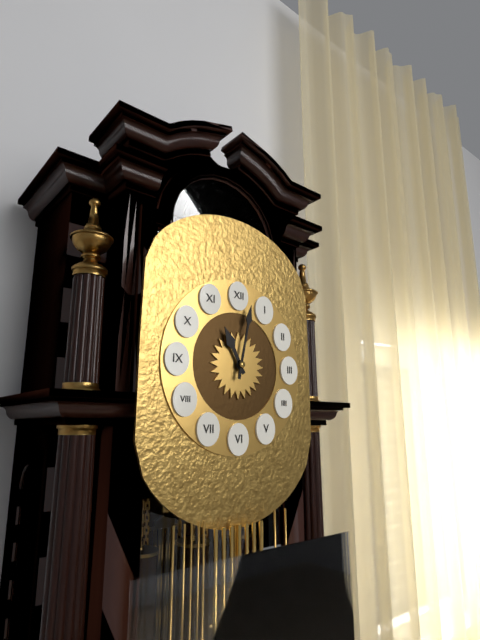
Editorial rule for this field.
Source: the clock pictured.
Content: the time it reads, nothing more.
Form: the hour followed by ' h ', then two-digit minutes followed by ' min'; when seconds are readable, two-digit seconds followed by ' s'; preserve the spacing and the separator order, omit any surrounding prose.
11 h 02 min
